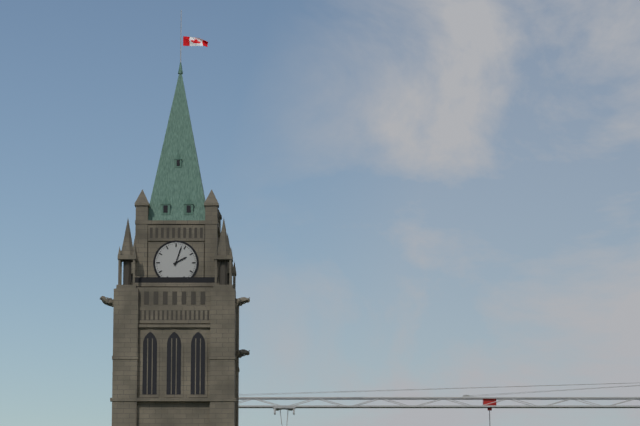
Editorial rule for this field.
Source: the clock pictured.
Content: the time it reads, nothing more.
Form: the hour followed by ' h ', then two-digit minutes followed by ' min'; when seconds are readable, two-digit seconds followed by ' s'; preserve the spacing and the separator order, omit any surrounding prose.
2 h 03 min
